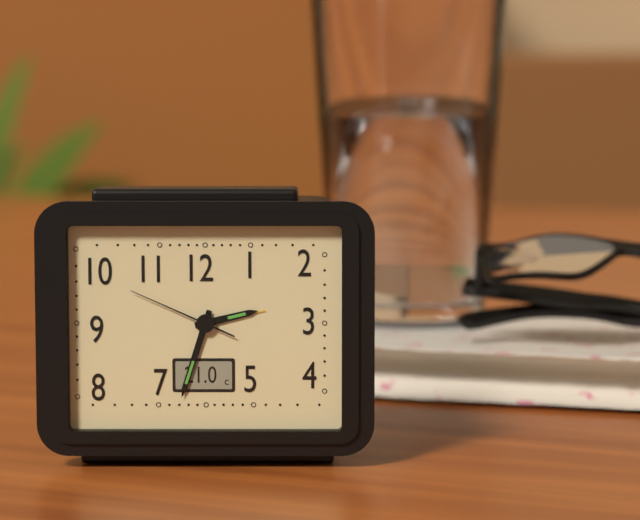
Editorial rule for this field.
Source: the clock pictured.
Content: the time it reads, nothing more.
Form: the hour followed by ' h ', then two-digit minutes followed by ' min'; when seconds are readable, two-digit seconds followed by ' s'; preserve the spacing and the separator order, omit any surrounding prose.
2 h 33 min 49 s
